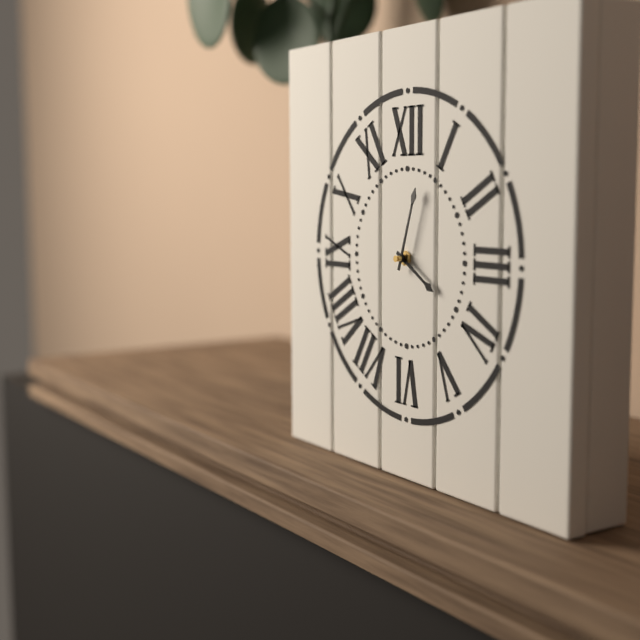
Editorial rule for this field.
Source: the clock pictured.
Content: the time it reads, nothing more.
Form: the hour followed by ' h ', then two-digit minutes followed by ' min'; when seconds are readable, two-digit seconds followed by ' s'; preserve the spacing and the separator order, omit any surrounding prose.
4 h 03 min
